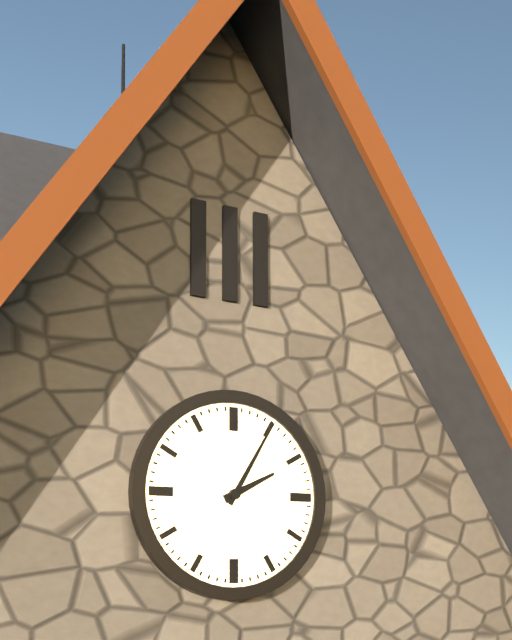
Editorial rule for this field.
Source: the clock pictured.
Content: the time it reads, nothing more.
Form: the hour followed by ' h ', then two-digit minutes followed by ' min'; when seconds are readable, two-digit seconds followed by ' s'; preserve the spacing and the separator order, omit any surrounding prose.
2 h 05 min
